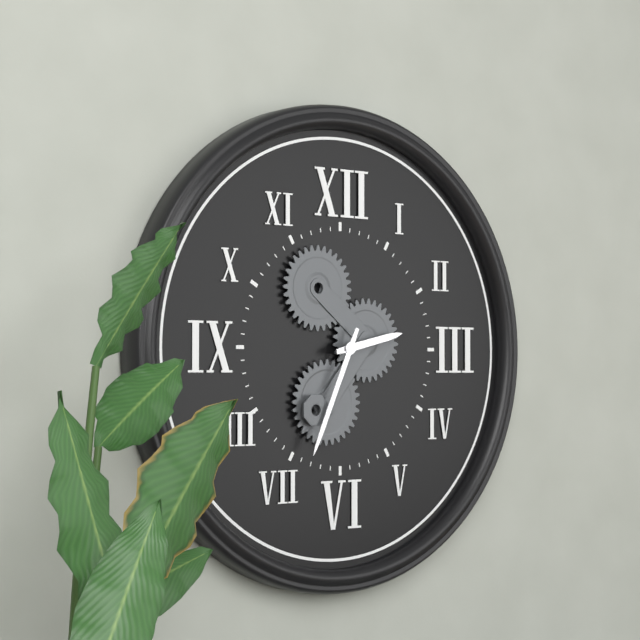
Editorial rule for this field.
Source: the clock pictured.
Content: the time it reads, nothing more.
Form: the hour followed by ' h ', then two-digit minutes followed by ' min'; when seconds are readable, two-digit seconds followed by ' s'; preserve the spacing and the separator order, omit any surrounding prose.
2 h 34 min
